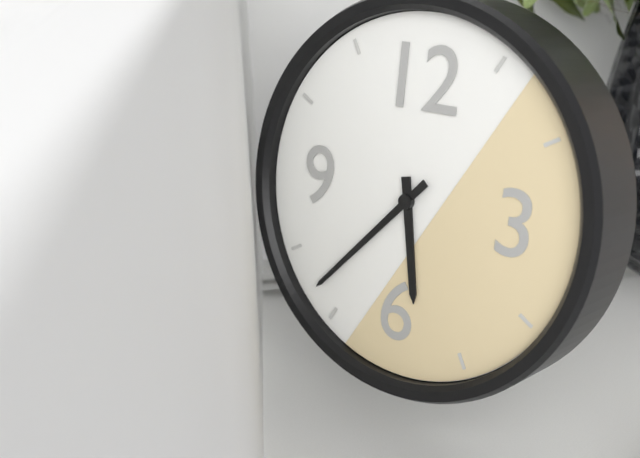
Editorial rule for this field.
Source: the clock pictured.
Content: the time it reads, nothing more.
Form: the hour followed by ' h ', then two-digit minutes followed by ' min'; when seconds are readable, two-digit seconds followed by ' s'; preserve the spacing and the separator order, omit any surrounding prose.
5 h 37 min
